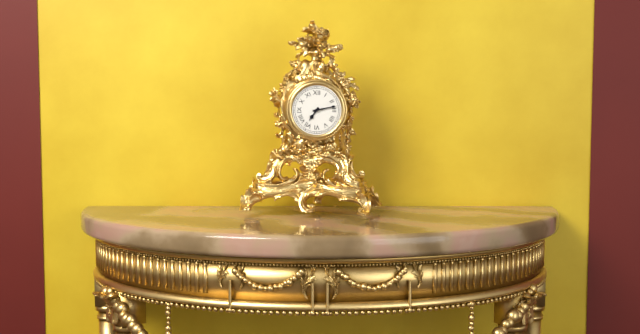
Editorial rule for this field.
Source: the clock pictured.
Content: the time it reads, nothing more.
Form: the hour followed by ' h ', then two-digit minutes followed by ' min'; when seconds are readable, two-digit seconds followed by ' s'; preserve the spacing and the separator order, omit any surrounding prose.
7 h 13 min
